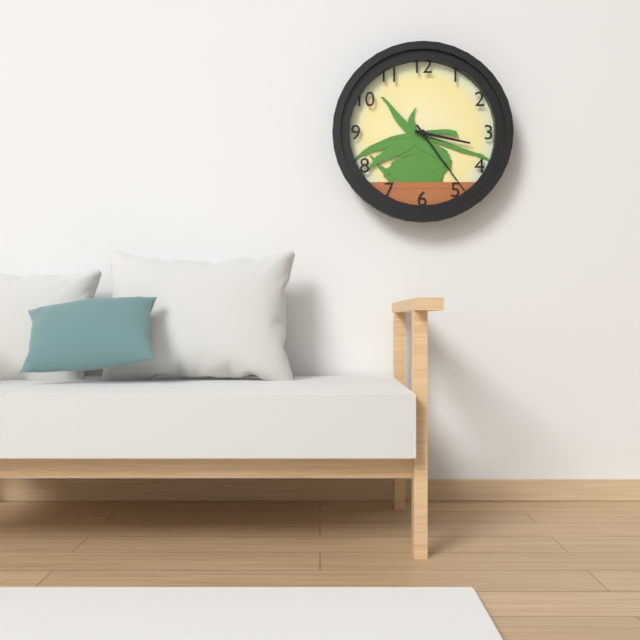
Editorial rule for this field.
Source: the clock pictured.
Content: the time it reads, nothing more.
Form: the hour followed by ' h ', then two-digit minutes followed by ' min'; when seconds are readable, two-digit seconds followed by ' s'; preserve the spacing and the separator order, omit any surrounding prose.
3 h 24 min
